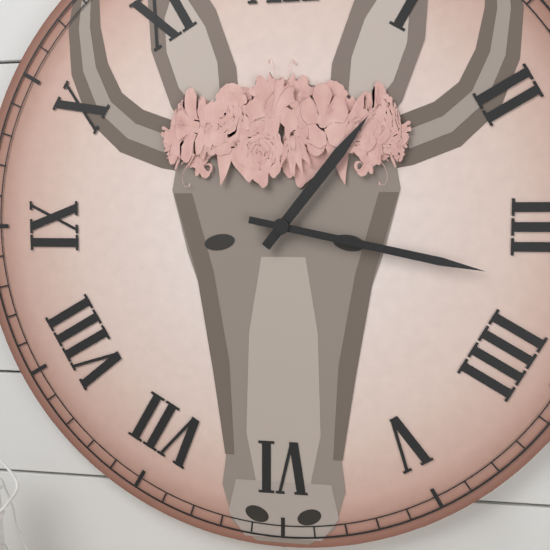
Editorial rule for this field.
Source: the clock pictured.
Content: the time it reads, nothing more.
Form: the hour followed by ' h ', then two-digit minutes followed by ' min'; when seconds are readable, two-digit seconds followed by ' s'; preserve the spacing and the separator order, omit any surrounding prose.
1 h 17 min
